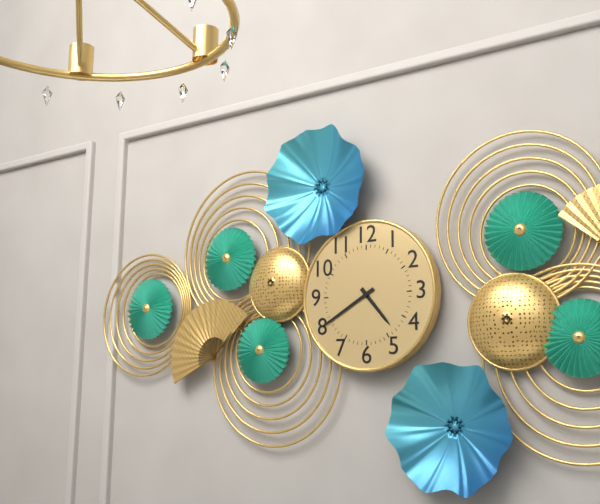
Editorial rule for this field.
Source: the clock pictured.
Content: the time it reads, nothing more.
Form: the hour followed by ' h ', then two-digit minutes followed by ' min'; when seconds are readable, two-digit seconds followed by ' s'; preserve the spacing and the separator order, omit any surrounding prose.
4 h 40 min
